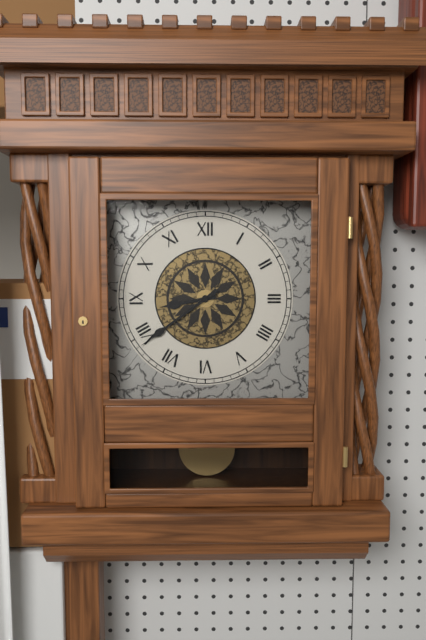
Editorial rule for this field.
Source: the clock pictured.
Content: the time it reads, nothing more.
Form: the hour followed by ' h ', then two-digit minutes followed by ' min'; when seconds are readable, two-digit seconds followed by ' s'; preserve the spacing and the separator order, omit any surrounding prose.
8 h 39 min
